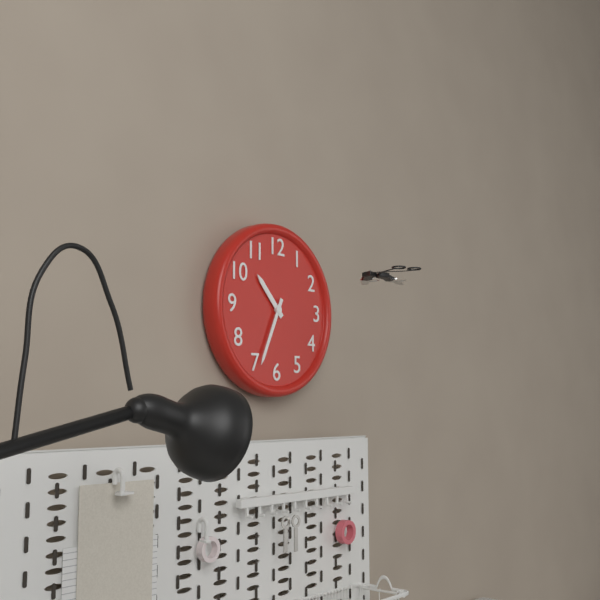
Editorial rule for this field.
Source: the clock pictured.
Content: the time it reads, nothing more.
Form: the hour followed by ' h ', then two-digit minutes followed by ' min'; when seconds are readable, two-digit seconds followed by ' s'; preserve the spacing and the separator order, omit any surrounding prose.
10 h 34 min
